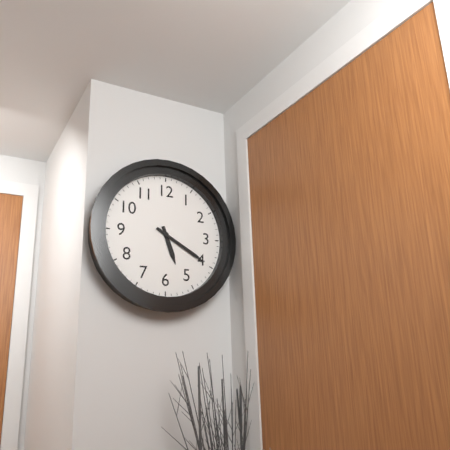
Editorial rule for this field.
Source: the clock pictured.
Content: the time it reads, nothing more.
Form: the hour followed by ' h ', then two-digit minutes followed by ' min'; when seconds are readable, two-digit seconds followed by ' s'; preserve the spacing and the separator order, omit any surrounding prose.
5 h 20 min
